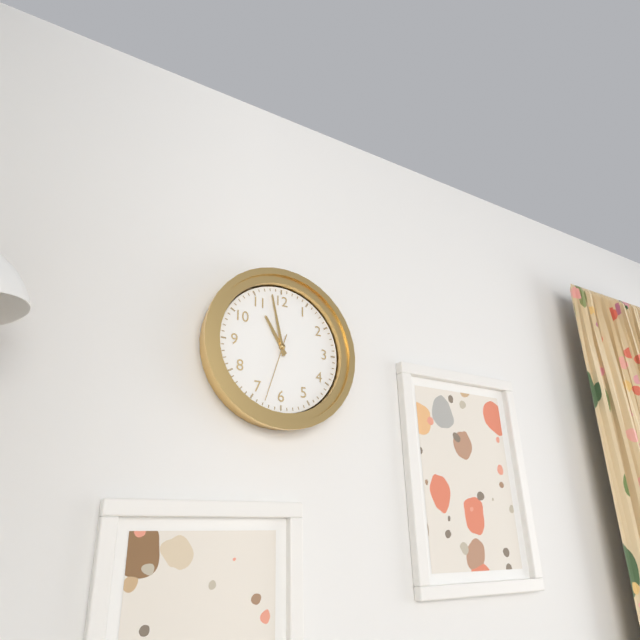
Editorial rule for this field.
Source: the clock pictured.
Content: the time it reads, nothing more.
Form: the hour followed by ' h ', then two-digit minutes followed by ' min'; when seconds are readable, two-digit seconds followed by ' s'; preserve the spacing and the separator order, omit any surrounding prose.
10 h 58 min 33 s
